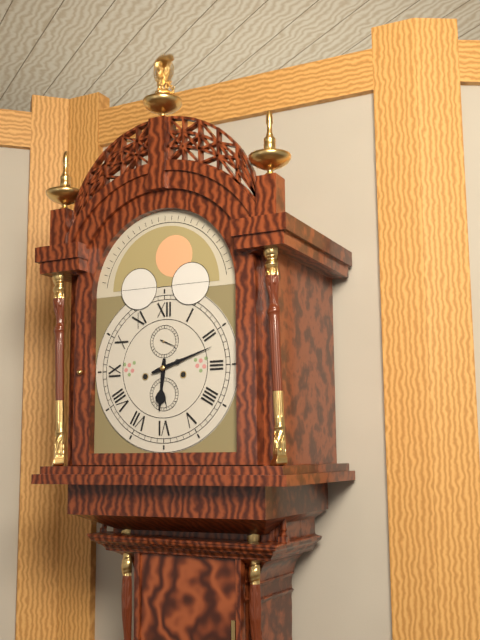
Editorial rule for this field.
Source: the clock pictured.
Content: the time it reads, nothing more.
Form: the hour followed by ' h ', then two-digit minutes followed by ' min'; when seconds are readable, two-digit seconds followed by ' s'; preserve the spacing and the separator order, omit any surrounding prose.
6 h 12 min
